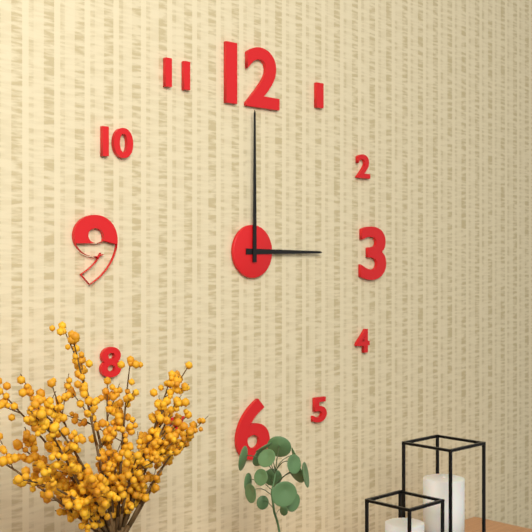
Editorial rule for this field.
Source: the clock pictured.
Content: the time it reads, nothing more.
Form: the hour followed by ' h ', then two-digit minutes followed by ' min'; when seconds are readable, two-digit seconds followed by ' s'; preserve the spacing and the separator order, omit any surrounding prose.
3 h 00 min
